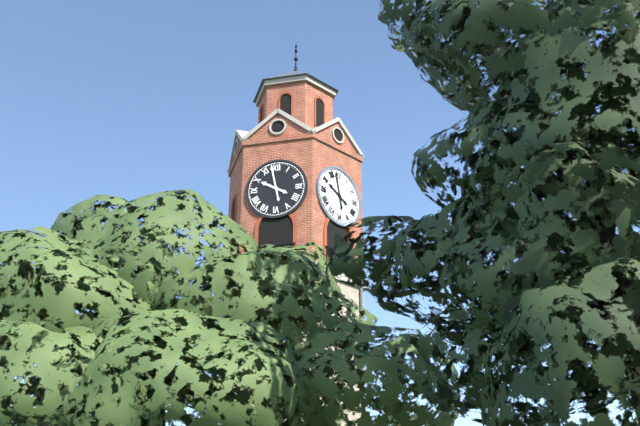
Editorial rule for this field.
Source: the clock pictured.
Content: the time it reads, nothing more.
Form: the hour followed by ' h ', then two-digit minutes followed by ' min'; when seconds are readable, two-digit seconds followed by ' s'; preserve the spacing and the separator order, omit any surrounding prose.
9 h 58 min
